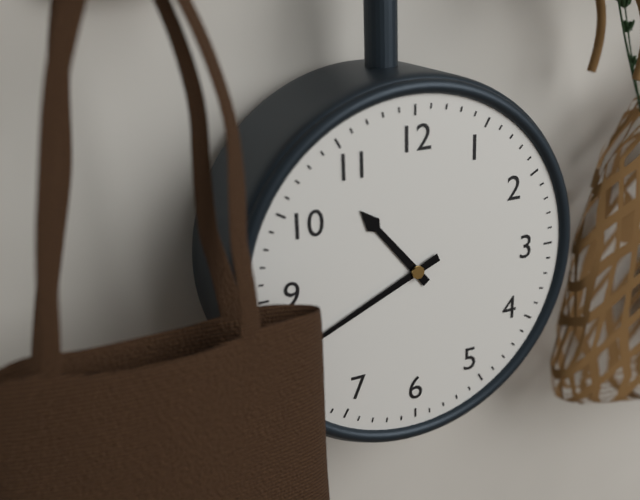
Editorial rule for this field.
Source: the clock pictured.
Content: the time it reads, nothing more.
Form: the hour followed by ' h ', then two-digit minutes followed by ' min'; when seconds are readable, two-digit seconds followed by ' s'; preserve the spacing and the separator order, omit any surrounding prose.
10 h 41 min
